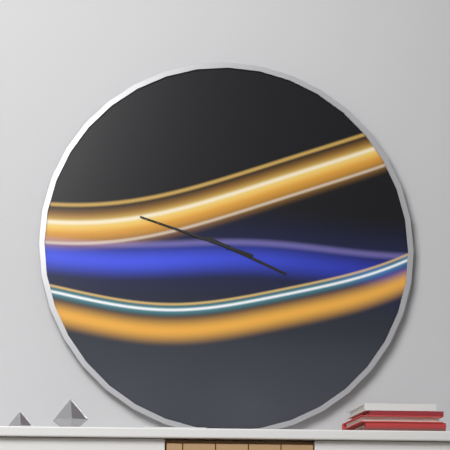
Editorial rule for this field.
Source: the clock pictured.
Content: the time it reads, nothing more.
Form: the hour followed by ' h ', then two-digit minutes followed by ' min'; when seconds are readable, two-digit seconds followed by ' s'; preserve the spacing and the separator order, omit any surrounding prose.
3 h 48 min
